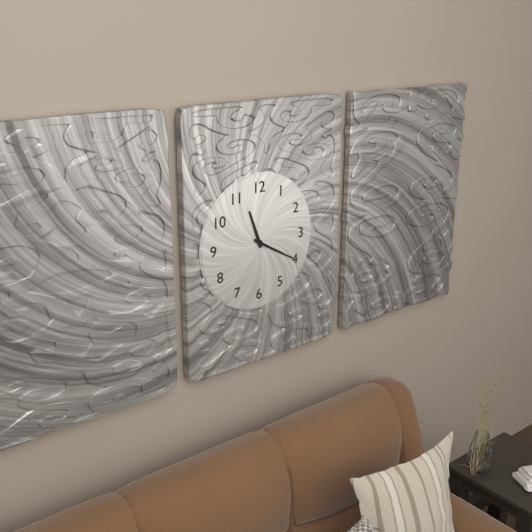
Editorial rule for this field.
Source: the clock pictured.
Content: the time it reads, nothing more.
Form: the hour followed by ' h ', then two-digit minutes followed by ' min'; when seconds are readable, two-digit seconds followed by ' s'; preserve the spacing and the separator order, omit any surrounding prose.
11 h 20 min
